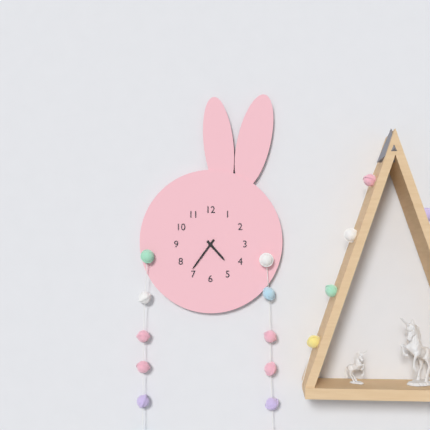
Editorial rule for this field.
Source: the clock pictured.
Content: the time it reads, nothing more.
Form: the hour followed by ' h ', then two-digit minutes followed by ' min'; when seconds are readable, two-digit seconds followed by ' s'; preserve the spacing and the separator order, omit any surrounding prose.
4 h 36 min
